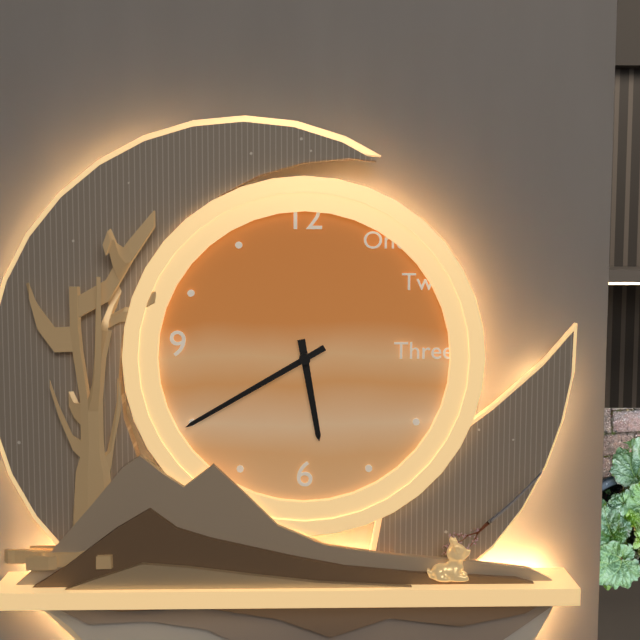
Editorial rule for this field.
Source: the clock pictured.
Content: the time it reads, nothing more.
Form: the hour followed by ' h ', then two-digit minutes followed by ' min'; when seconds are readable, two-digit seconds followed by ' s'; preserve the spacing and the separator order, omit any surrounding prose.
5 h 40 min
